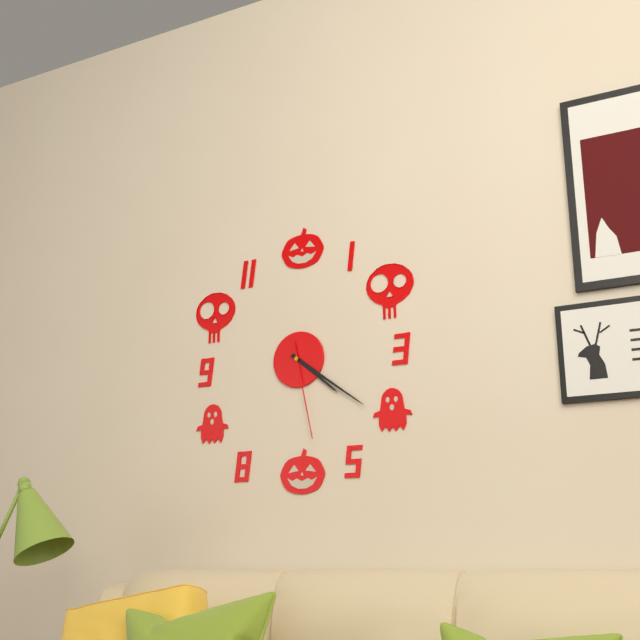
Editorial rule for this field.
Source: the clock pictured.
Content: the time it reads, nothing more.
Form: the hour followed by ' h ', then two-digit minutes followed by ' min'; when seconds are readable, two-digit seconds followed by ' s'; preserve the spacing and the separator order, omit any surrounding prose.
4 h 21 min 28 s
